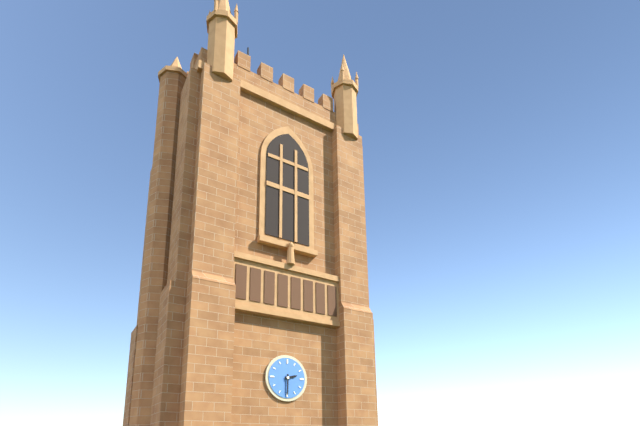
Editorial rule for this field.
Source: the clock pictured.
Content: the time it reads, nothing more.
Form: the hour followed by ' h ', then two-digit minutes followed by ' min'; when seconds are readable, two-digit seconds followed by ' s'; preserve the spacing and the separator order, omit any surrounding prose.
2 h 30 min
